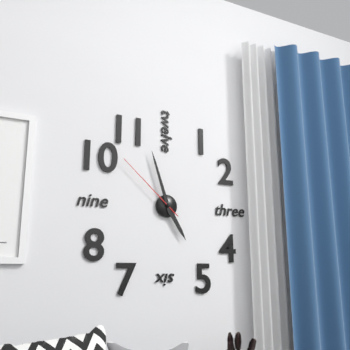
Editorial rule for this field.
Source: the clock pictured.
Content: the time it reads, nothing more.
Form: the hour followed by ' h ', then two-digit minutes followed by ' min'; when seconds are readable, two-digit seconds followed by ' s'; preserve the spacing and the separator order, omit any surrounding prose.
4 h 57 min 52 s
